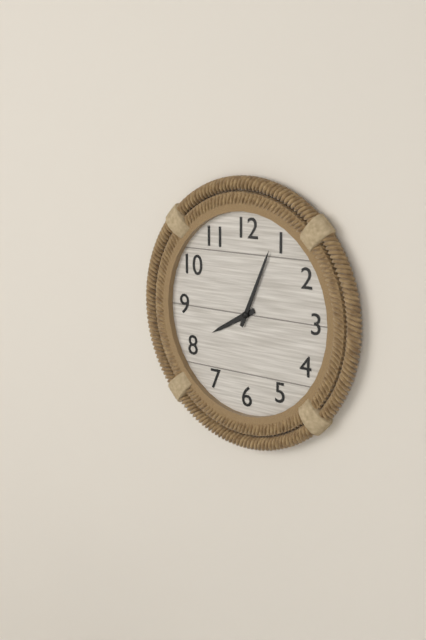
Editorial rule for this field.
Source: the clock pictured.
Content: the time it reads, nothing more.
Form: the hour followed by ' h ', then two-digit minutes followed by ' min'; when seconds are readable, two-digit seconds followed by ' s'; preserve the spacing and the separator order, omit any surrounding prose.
8 h 04 min
